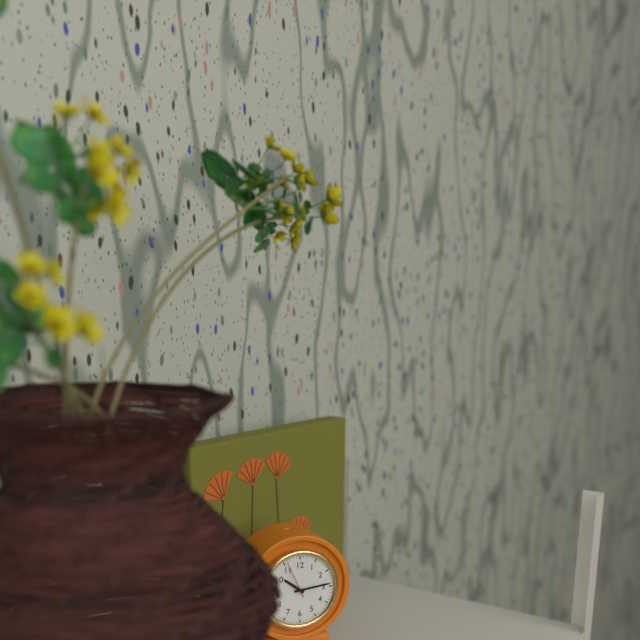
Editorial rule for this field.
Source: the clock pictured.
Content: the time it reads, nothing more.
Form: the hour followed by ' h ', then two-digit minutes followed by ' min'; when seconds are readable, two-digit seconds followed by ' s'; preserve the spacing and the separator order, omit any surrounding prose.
10 h 14 min
